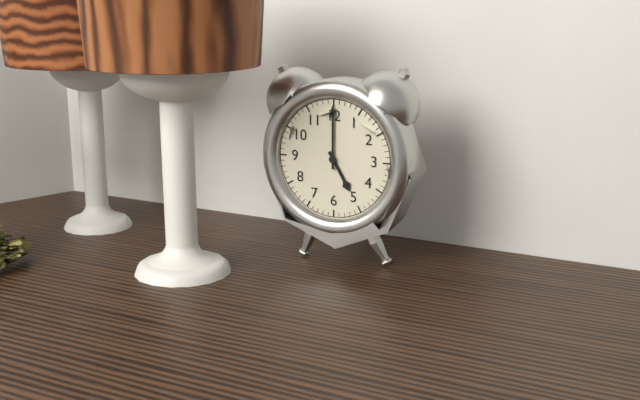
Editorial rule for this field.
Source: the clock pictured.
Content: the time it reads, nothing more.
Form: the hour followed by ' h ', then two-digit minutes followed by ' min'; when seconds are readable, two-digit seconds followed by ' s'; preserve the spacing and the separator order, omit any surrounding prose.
5 h 00 min
